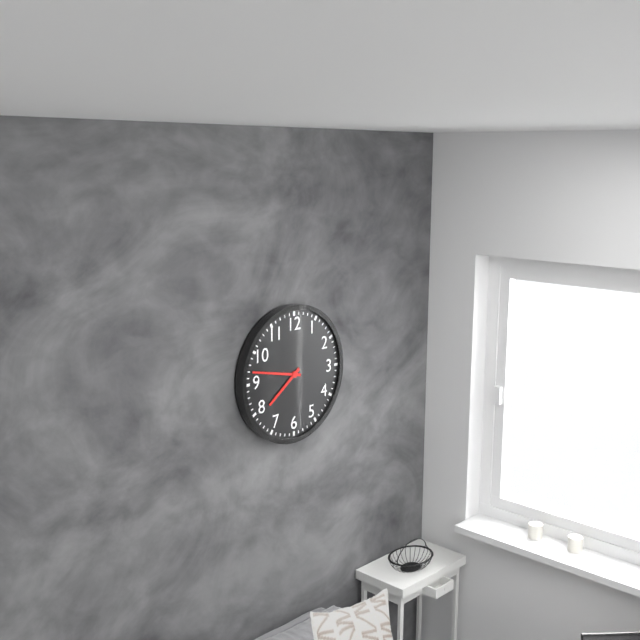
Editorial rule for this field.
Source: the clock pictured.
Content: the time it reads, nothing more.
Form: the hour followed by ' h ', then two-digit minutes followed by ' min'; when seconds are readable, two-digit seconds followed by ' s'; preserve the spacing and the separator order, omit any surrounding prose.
7 h 47 min
